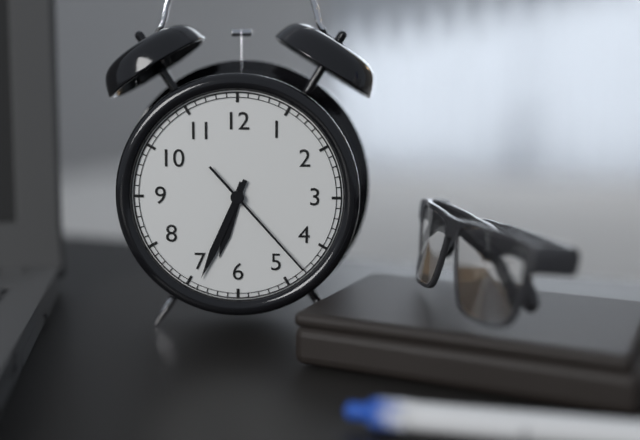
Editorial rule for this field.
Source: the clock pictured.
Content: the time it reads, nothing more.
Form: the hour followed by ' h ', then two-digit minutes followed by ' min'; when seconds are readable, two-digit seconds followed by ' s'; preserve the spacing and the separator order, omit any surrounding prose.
6 h 34 min 23 s
